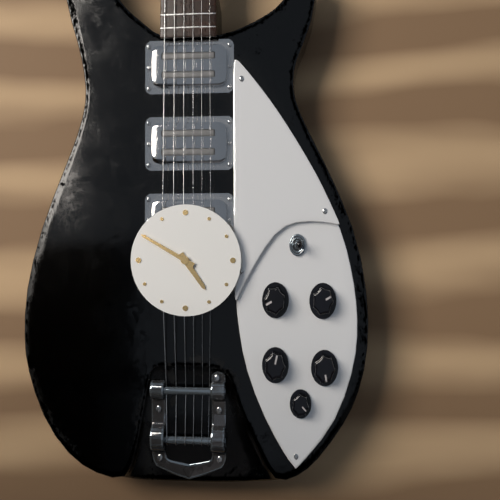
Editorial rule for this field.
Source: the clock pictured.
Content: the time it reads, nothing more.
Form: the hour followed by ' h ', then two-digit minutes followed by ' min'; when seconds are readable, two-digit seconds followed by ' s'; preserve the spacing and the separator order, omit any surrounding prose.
4 h 50 min
